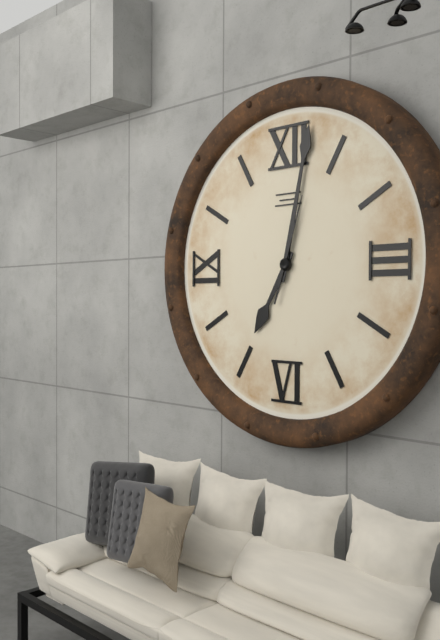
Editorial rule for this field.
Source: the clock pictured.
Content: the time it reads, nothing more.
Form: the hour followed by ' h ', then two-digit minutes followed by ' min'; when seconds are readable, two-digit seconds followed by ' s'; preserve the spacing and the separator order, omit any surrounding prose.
7 h 02 min 03 s
